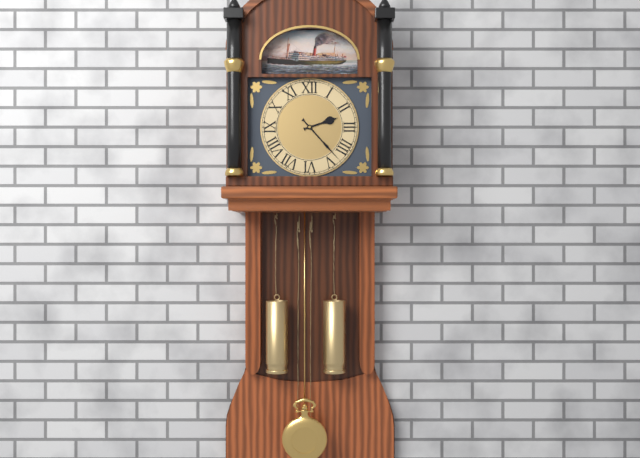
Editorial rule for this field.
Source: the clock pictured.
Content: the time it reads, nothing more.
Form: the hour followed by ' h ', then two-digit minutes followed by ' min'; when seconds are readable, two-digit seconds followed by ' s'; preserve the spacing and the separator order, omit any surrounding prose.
2 h 23 min
